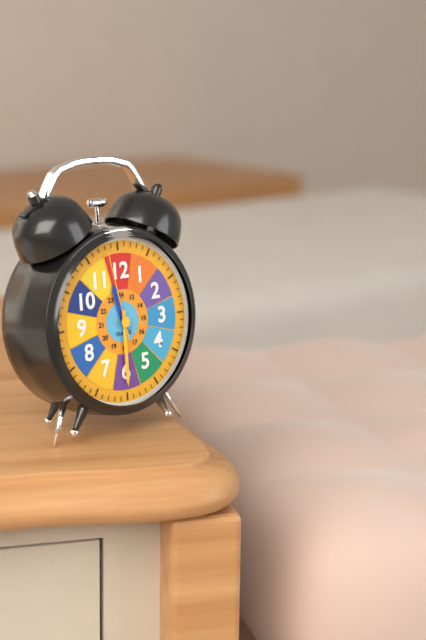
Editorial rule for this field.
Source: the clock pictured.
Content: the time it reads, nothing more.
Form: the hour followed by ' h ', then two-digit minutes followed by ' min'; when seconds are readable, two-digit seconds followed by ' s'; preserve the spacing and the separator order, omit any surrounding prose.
11 h 30 min 58 s
